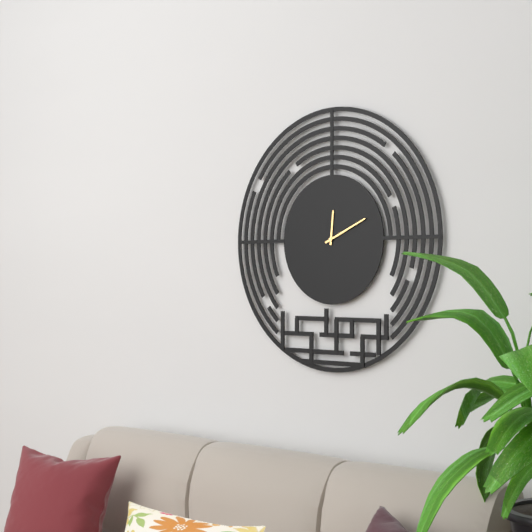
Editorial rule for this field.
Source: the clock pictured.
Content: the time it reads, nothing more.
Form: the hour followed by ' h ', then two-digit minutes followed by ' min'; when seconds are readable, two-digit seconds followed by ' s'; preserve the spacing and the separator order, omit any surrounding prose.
12 h 11 min
